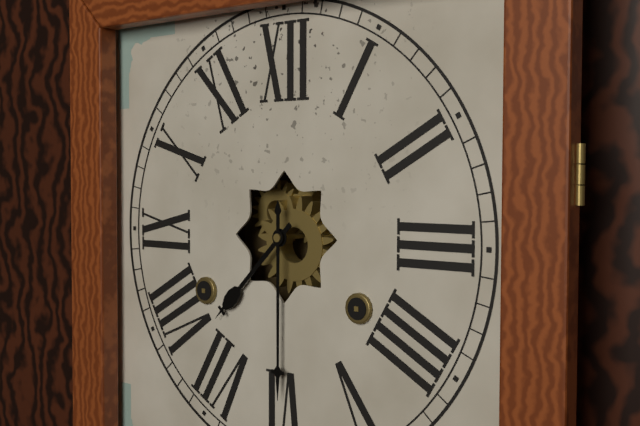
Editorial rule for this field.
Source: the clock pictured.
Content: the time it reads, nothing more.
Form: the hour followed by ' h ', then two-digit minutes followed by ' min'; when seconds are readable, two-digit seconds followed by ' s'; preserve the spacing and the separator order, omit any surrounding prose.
7 h 30 min
